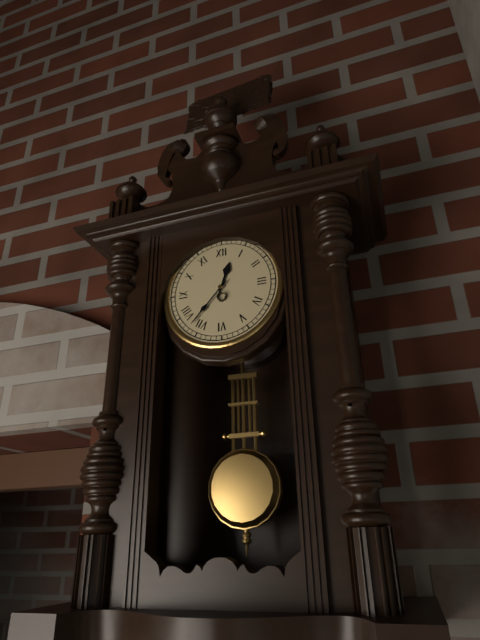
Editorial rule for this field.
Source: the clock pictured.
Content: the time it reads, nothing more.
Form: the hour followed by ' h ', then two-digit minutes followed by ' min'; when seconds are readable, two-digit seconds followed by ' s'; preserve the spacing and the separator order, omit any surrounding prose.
12 h 37 min
